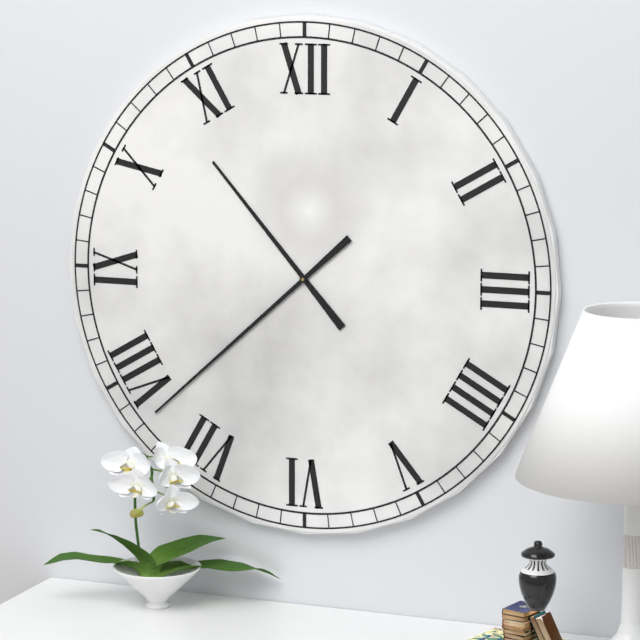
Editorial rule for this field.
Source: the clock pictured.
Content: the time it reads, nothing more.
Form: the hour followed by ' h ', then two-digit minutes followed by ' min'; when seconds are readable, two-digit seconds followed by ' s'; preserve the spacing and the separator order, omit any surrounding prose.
10 h 38 min
